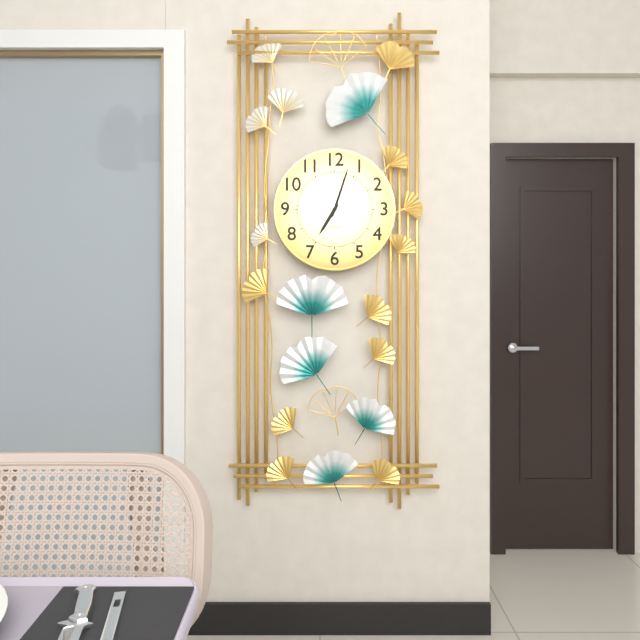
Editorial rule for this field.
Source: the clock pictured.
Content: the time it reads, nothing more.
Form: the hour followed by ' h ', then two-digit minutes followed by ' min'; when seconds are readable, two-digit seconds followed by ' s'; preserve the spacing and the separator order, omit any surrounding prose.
7 h 03 min
